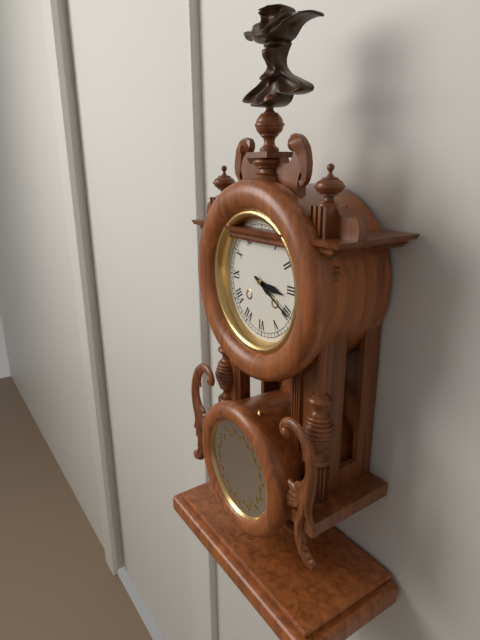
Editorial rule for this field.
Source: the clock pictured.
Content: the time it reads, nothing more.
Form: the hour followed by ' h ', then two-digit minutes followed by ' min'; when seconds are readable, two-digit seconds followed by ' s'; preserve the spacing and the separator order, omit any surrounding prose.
3 h 20 min
